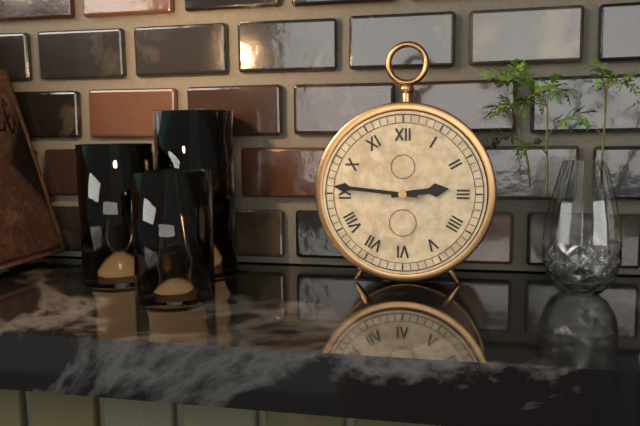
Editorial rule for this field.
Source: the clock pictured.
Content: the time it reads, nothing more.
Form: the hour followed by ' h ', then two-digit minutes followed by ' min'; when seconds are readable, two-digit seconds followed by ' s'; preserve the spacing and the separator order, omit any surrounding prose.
2 h 46 min
